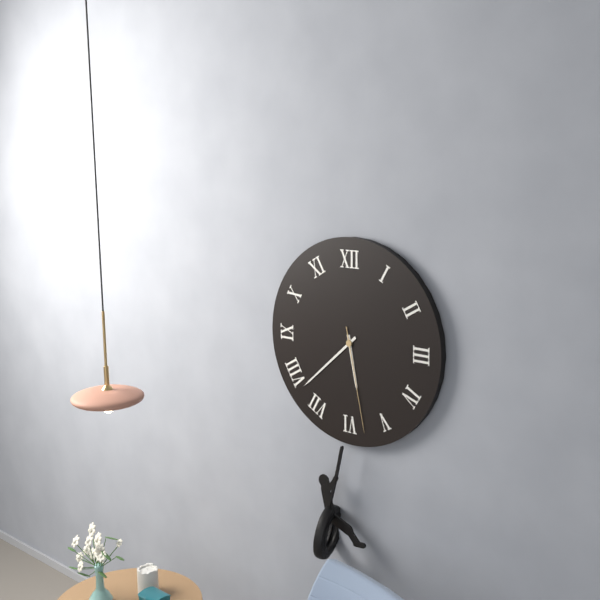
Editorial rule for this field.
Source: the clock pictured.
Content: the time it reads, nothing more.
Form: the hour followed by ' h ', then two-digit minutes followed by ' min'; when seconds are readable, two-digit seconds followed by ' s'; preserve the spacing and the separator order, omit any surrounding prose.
5 h 38 min 28 s
